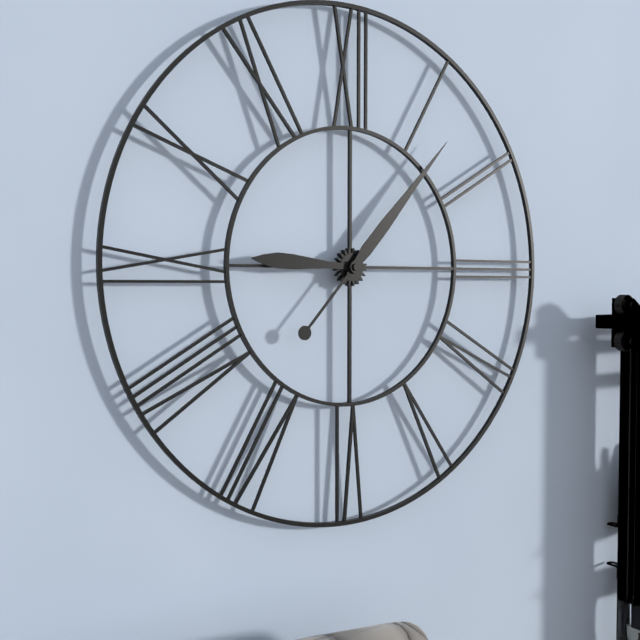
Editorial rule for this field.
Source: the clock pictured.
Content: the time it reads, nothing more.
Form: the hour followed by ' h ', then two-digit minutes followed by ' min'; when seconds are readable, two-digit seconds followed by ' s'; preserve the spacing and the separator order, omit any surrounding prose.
9 h 07 min
